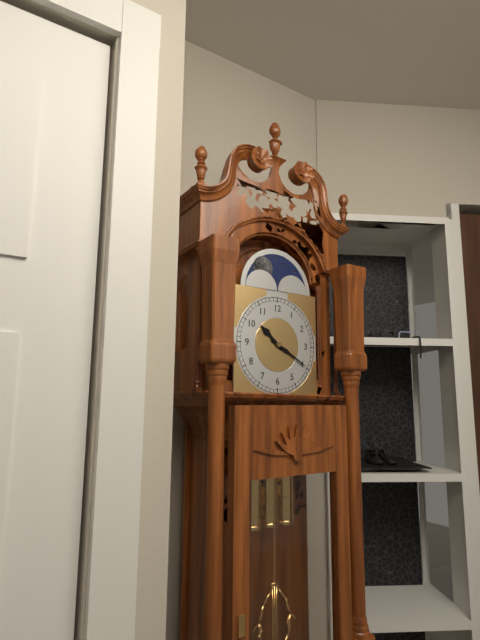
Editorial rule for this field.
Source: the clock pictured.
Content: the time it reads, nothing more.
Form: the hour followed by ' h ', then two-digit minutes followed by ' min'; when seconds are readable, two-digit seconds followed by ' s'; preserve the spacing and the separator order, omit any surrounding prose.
10 h 20 min
